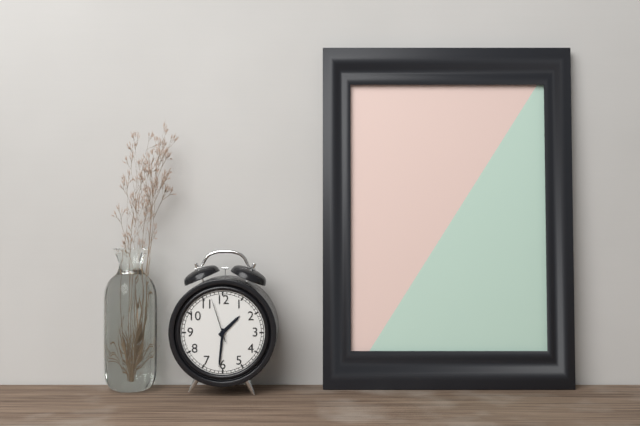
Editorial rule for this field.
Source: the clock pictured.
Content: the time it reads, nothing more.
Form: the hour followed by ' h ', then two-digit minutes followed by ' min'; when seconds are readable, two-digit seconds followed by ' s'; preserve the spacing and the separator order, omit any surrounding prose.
1 h 31 min
